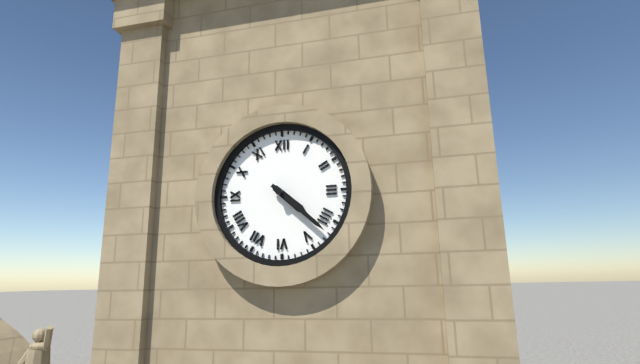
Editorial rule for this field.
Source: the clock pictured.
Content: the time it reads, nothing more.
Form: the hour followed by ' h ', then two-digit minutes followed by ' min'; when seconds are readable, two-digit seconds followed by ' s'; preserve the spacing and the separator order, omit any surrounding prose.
4 h 22 min
